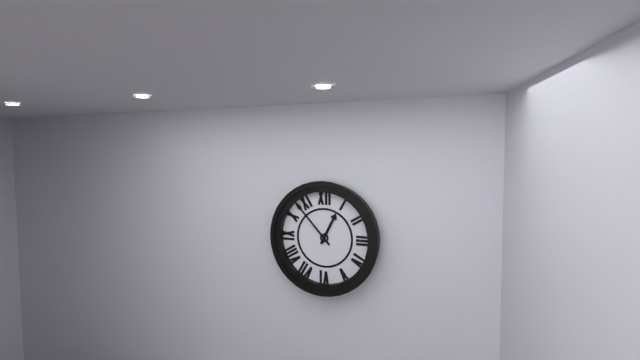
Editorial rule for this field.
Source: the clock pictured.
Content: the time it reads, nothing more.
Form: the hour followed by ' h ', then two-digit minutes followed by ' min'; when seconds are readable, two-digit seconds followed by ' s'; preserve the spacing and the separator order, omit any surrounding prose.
12 h 53 min
